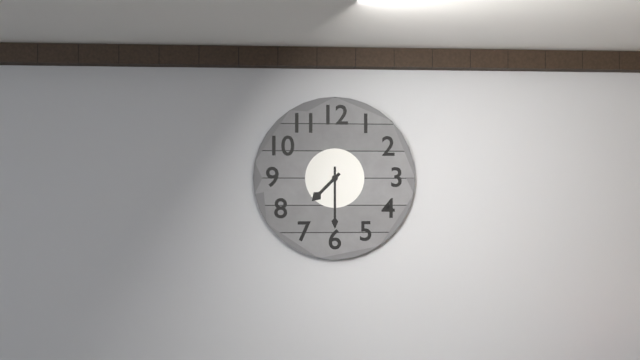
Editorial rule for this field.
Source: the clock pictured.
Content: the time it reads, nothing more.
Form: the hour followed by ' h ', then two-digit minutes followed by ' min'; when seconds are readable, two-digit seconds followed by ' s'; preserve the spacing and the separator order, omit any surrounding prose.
7 h 30 min
